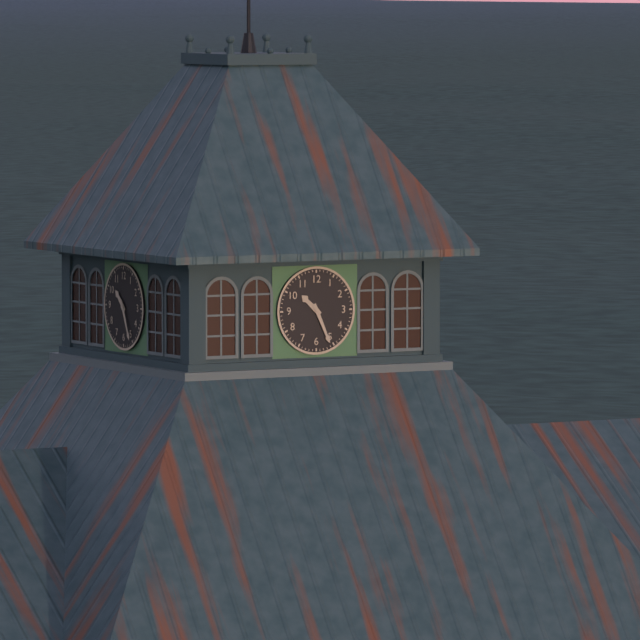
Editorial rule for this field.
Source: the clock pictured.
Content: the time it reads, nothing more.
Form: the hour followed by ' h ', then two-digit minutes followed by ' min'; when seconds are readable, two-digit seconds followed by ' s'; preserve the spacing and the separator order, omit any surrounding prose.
10 h 26 min
